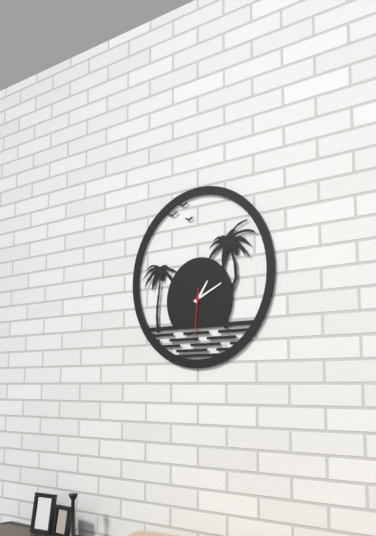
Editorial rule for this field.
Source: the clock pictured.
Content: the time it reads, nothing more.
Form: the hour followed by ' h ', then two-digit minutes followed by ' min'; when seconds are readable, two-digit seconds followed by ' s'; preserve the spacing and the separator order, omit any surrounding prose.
1 h 11 min
